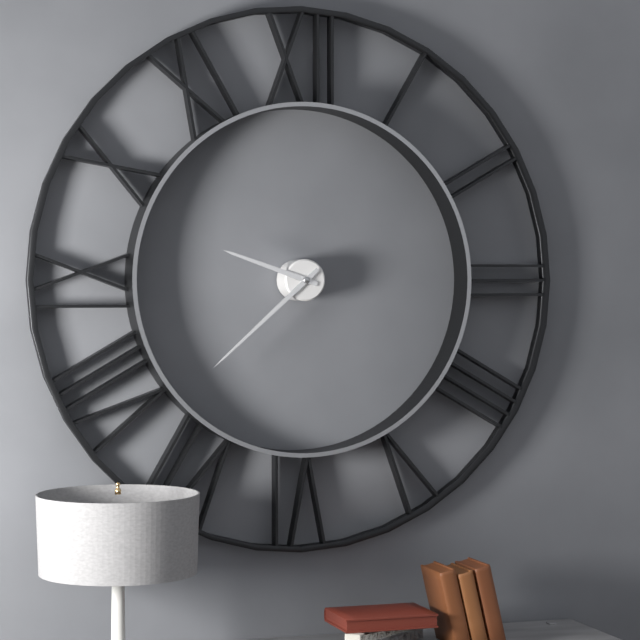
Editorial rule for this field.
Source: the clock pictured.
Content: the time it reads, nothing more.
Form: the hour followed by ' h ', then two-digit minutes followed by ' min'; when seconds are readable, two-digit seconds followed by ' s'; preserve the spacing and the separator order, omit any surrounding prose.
9 h 38 min
